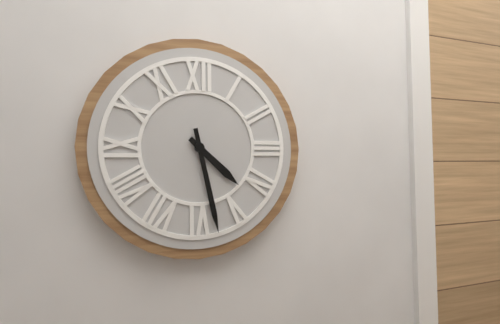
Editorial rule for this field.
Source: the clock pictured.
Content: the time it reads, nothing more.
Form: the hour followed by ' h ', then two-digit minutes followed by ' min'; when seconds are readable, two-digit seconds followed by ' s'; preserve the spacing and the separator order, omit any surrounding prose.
4 h 28 min
